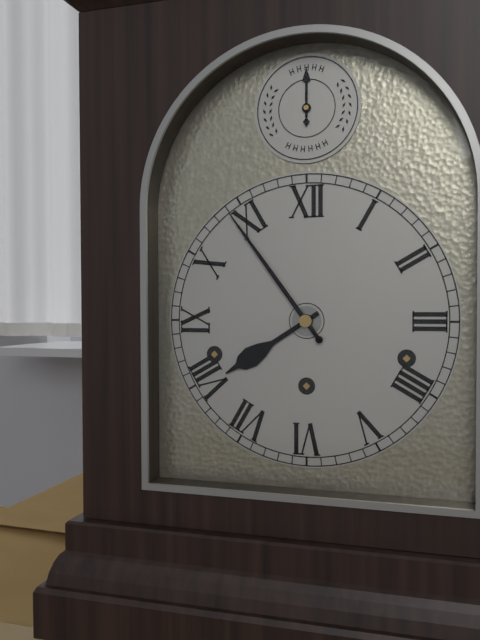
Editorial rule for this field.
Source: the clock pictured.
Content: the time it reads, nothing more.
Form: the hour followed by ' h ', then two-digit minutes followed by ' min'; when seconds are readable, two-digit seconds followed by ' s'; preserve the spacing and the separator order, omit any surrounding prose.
7 h 54 min
